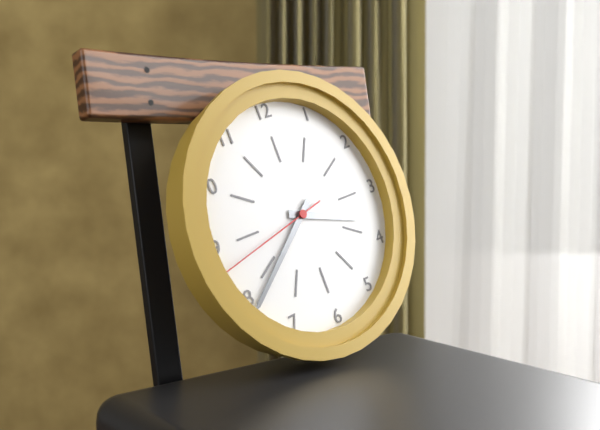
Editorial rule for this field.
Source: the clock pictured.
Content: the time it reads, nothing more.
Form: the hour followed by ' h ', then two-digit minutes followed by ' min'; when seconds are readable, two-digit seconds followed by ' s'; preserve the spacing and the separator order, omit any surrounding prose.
3 h 39 min 43 s
